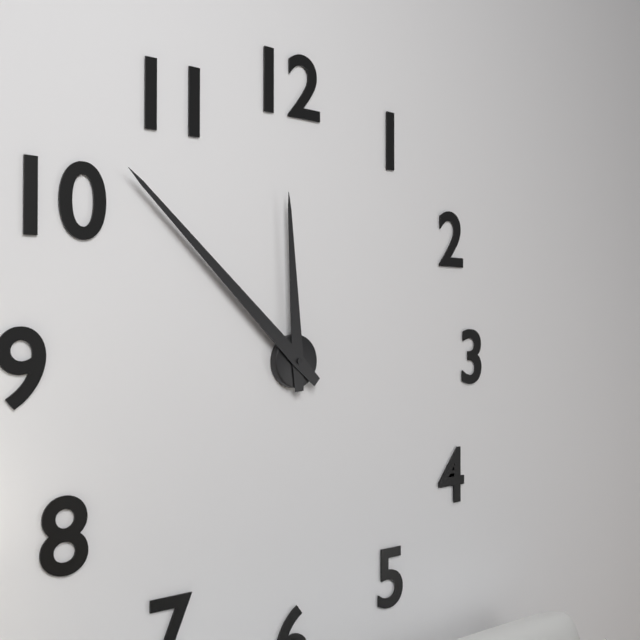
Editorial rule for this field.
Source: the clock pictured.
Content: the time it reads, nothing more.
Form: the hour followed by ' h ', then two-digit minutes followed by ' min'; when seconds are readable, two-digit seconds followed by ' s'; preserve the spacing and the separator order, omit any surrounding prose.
11 h 52 min
